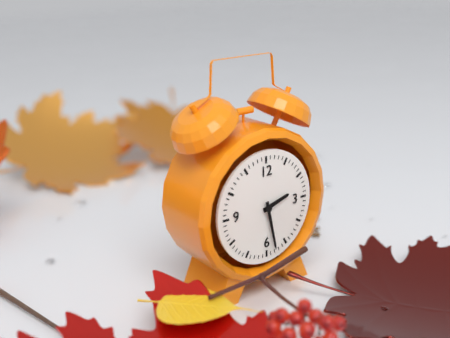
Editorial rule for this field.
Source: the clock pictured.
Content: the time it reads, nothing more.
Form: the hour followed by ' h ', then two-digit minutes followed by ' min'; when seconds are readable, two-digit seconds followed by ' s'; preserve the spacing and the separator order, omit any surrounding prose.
2 h 28 min
